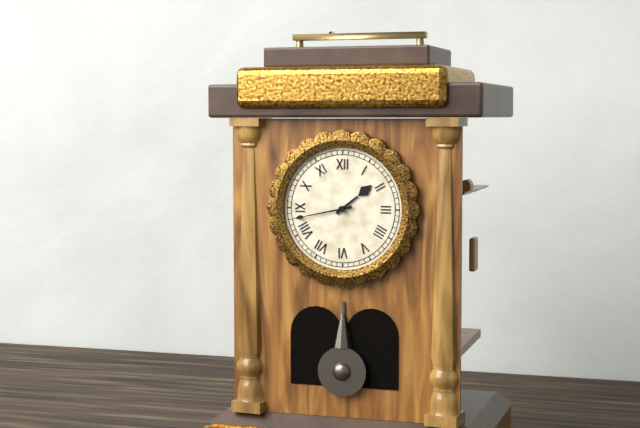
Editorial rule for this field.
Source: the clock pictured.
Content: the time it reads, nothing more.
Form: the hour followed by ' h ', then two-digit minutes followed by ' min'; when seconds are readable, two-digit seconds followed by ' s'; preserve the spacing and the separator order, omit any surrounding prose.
1 h 43 min
